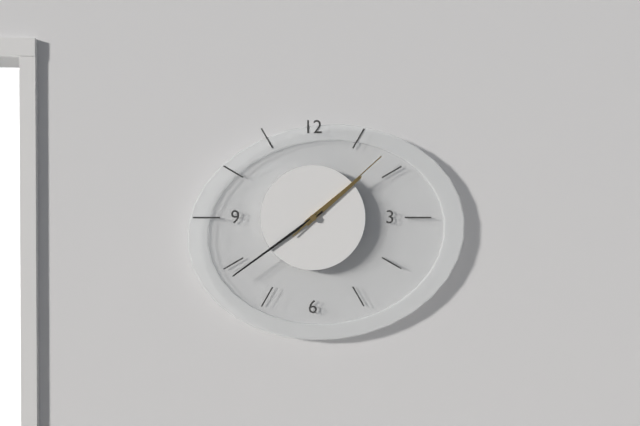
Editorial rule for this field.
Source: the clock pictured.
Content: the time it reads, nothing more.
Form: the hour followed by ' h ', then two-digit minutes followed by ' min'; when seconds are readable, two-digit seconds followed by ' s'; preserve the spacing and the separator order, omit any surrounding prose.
1 h 39 min 08 s
